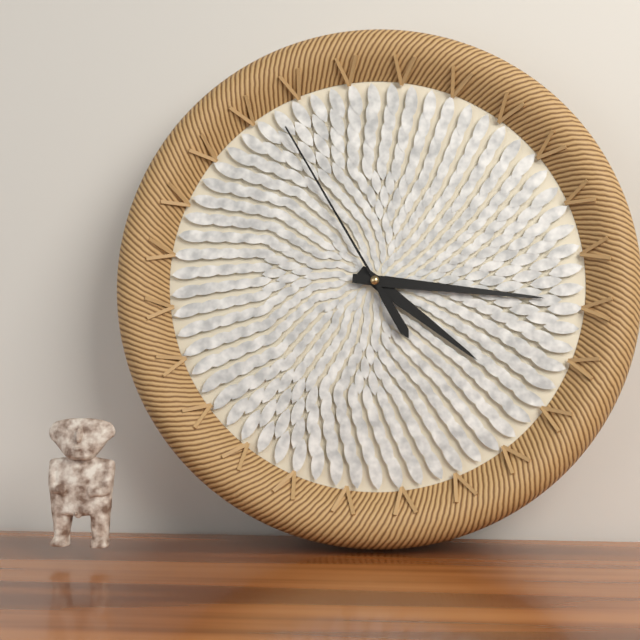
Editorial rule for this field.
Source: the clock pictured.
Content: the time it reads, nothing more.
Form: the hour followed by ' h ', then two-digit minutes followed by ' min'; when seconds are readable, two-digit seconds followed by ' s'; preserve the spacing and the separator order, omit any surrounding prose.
4 h 16 min 55 s
